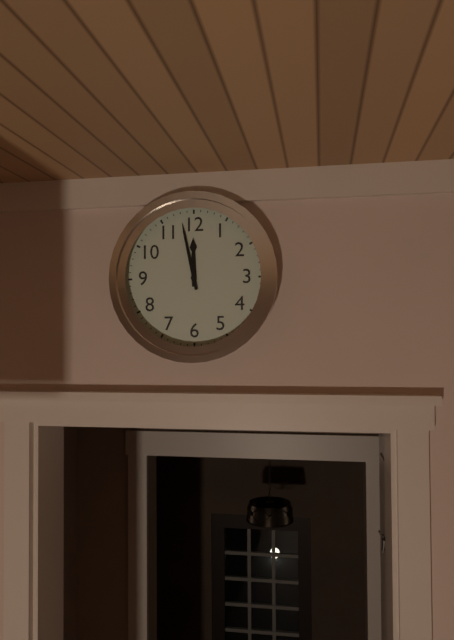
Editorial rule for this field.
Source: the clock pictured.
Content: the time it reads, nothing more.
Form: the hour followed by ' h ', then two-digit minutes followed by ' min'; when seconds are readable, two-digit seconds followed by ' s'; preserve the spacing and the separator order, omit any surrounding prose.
11 h 58 min
